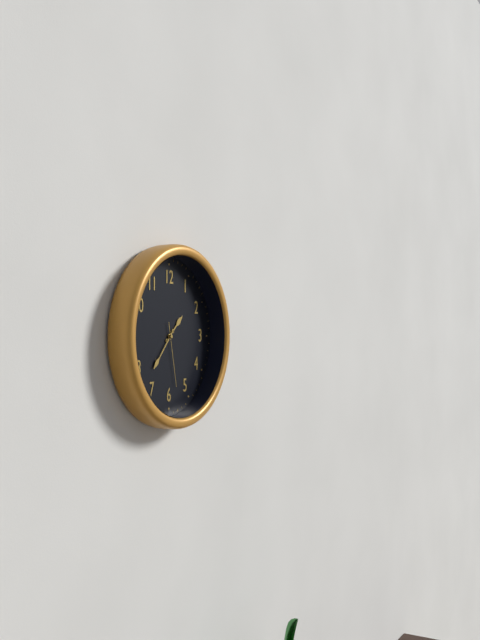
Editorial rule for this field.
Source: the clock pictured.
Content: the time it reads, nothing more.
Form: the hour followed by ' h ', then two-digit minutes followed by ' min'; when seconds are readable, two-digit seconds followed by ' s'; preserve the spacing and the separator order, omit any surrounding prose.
1 h 37 min 28 s
